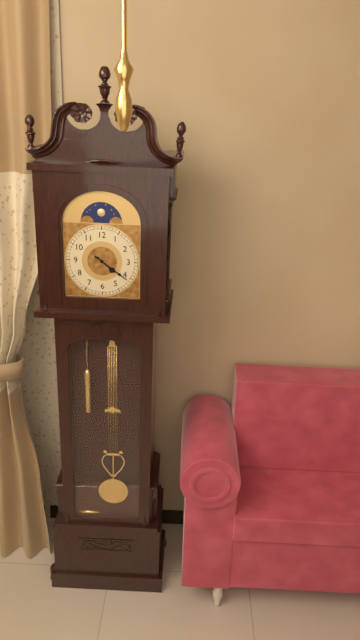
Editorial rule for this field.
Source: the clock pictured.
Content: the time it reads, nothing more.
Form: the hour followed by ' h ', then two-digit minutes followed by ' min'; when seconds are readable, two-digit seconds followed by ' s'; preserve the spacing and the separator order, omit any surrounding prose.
4 h 21 min
